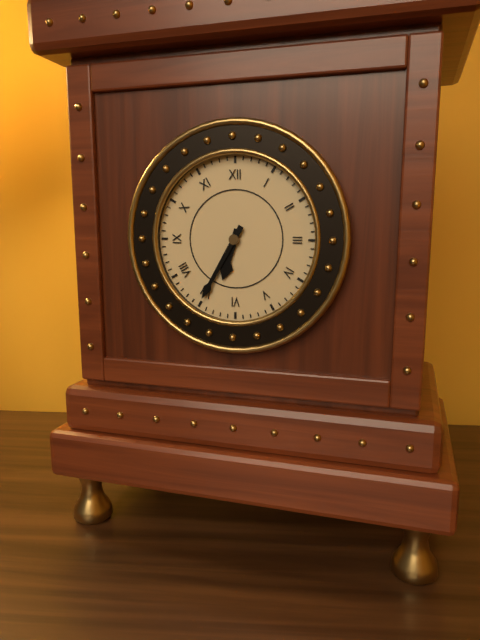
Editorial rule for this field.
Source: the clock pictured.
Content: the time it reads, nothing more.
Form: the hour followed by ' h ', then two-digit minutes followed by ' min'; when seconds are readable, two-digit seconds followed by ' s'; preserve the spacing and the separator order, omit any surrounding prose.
6 h 35 min
